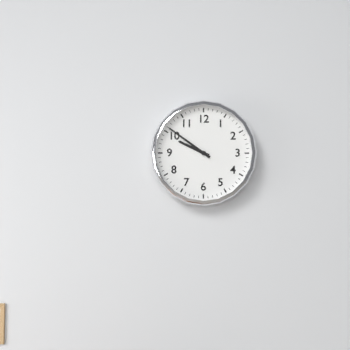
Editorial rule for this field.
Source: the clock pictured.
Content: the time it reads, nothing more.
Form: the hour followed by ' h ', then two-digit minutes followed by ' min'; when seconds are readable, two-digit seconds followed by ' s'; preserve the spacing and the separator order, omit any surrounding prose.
9 h 51 min
